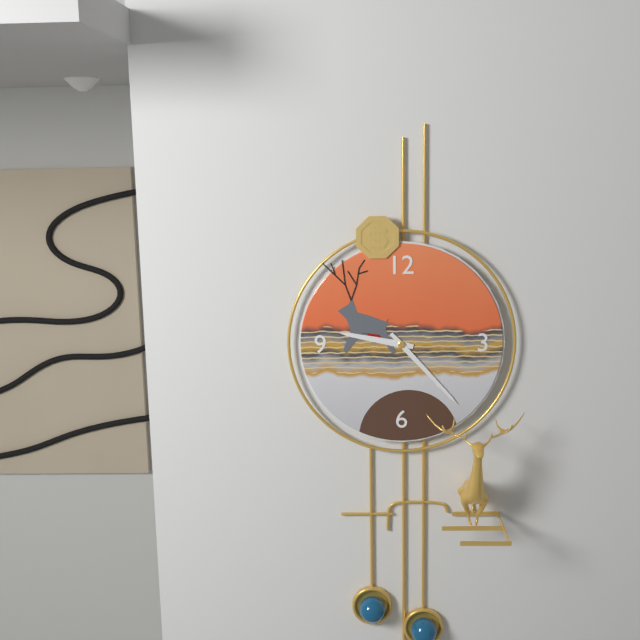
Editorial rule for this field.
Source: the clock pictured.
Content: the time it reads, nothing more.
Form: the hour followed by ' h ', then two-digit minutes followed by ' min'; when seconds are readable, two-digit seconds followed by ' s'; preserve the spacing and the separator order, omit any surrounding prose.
9 h 23 min
